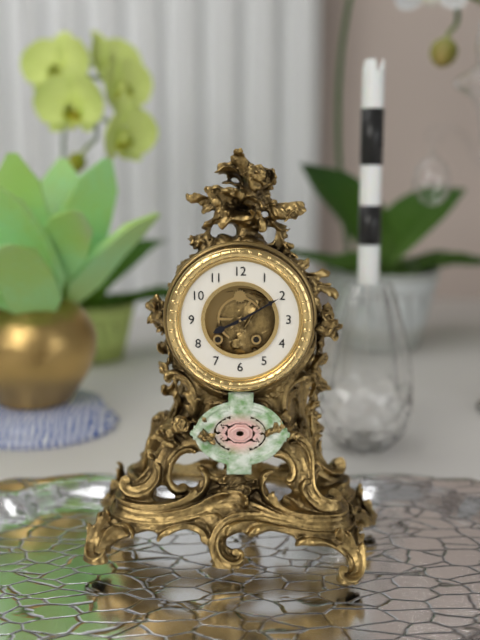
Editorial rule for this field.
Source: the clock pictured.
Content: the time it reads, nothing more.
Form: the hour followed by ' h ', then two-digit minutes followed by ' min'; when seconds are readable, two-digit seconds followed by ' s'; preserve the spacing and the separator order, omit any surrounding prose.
8 h 10 min
